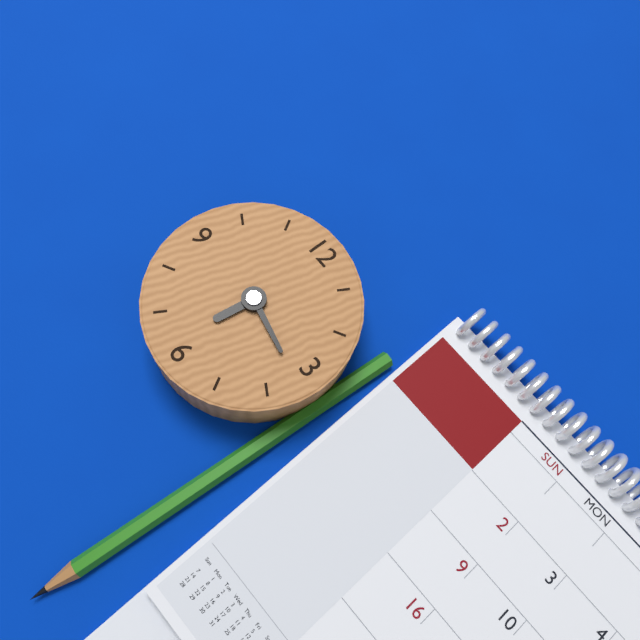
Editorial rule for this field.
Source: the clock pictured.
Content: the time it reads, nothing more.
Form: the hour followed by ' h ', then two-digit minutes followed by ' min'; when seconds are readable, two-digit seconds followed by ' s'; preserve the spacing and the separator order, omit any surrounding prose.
6 h 17 min
